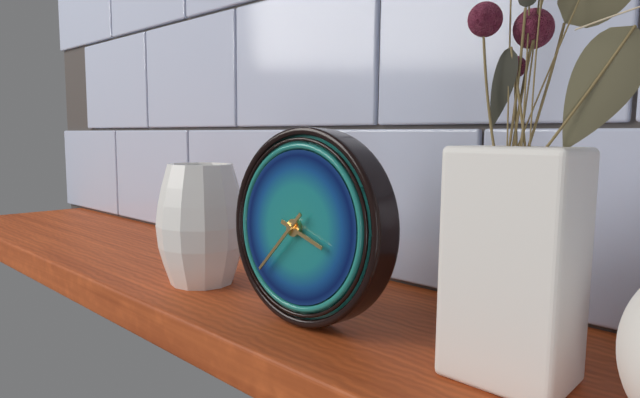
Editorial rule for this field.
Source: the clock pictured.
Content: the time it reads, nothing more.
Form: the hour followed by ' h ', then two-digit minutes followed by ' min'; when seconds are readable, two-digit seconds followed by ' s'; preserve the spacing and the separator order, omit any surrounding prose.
3 h 37 min
